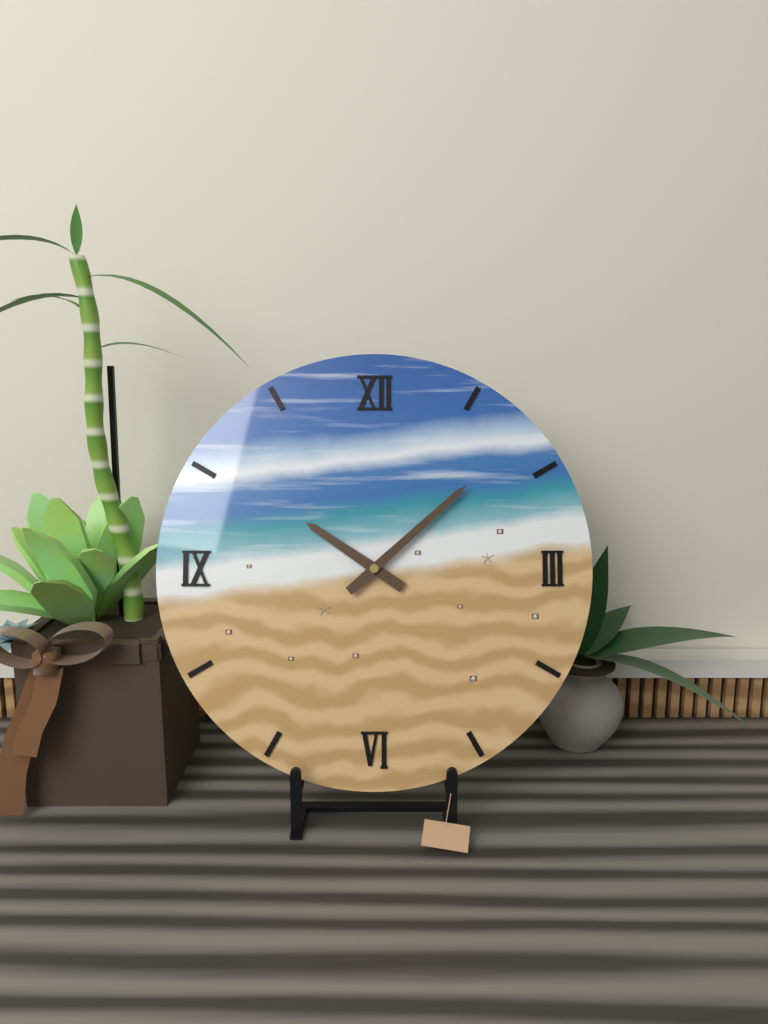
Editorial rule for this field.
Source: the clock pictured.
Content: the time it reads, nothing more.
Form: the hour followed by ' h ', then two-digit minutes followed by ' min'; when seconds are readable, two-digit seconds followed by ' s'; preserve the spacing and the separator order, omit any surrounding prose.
10 h 08 min
